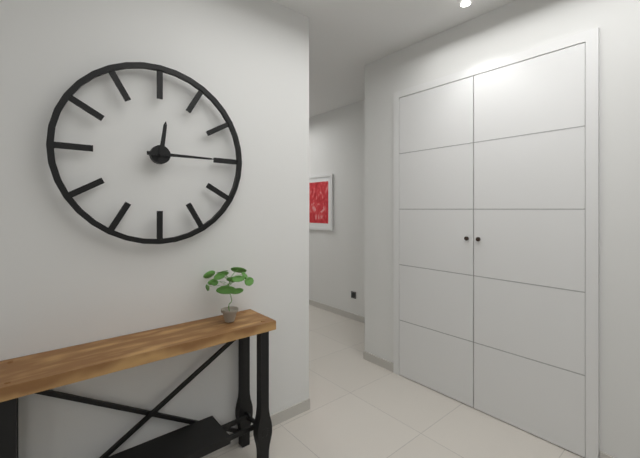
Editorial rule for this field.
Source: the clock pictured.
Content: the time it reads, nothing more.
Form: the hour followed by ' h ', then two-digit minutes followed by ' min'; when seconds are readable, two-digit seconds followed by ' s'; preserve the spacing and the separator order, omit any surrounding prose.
12 h 15 min
